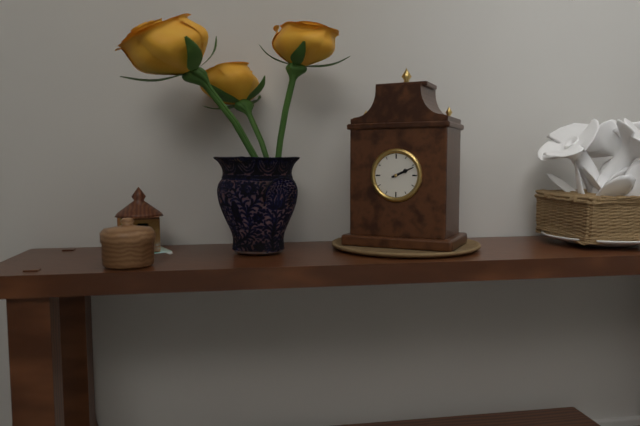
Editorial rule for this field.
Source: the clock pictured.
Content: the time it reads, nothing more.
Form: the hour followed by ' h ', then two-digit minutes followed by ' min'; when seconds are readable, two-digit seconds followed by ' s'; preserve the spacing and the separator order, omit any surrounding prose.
2 h 11 min
